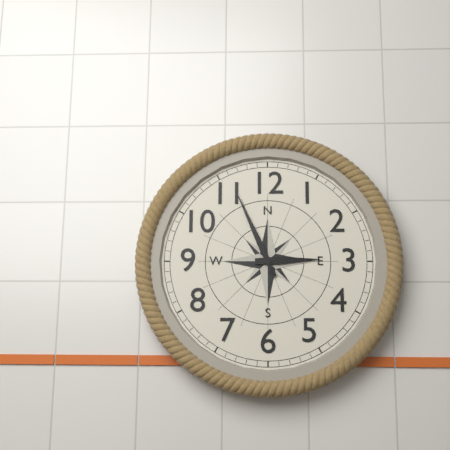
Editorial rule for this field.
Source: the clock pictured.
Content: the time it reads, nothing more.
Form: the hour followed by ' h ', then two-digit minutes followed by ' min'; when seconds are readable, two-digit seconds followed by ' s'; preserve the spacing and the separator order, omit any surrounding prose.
2 h 56 min
